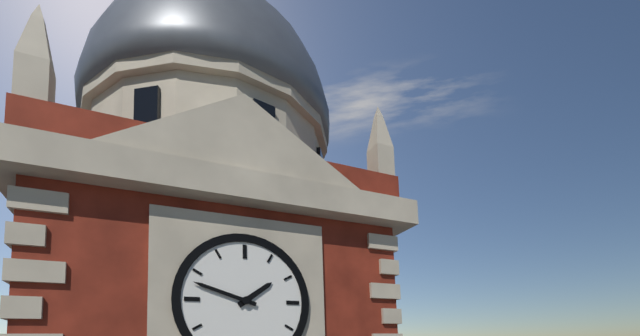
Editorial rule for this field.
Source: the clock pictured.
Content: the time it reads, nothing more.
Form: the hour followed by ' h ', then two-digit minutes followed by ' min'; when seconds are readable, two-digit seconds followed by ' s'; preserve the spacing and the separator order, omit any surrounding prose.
1 h 48 min
